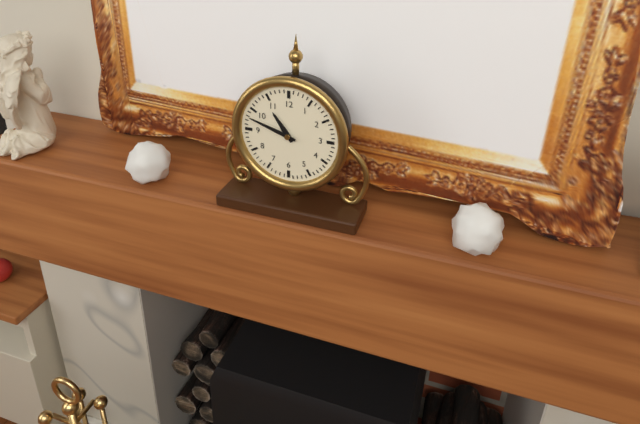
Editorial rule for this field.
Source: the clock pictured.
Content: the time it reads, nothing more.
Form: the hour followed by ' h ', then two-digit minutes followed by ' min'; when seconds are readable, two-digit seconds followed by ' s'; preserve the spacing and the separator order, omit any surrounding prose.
10 h 48 min
